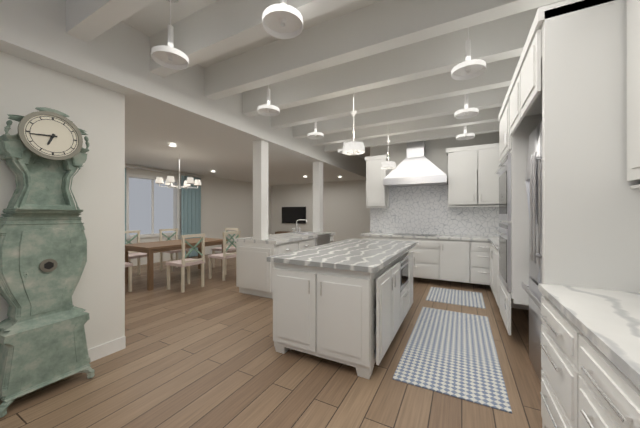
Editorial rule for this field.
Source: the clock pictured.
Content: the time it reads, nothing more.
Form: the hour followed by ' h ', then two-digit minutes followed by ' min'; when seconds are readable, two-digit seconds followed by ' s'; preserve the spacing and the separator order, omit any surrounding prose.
6 h 44 min
